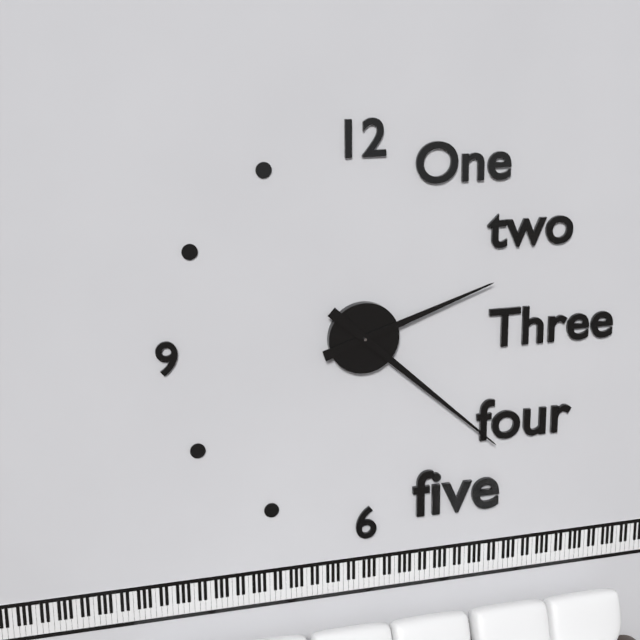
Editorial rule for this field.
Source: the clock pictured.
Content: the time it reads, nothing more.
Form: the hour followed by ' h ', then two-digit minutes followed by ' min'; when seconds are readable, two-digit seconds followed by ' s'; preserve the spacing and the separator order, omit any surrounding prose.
2 h 22 min
